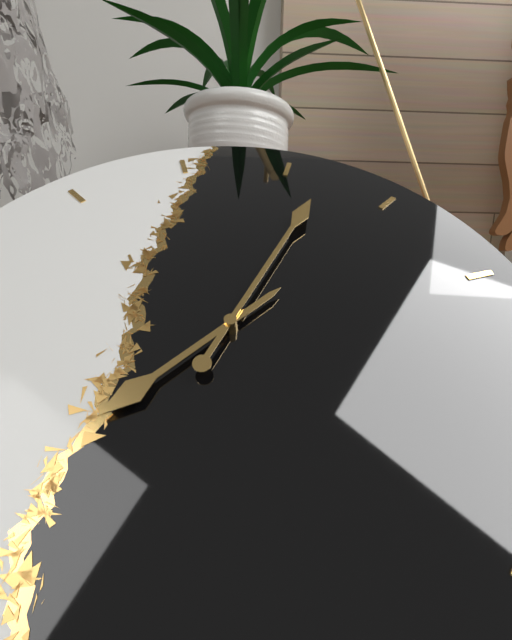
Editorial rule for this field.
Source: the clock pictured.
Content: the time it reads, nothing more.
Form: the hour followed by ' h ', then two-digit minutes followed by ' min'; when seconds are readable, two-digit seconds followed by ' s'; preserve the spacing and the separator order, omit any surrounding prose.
8 h 07 min
